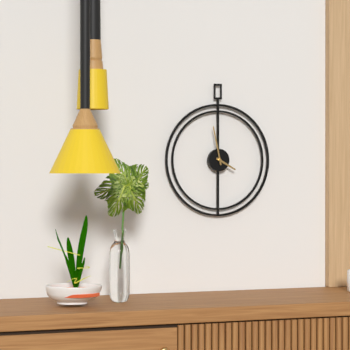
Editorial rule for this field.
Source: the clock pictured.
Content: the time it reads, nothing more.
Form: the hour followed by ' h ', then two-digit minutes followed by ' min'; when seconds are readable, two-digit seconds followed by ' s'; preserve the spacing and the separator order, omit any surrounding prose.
3 h 58 min
